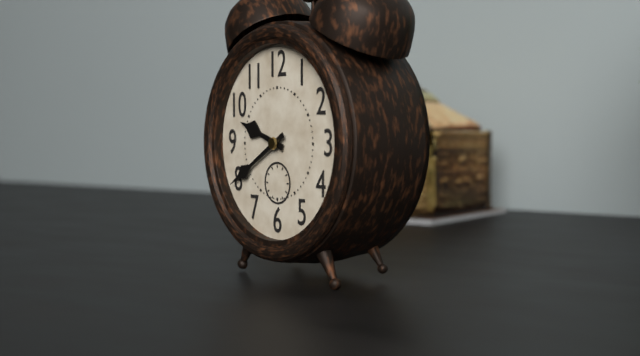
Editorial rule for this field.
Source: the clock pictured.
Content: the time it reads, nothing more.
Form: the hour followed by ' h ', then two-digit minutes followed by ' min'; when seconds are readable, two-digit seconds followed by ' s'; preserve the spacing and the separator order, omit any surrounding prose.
9 h 40 min
